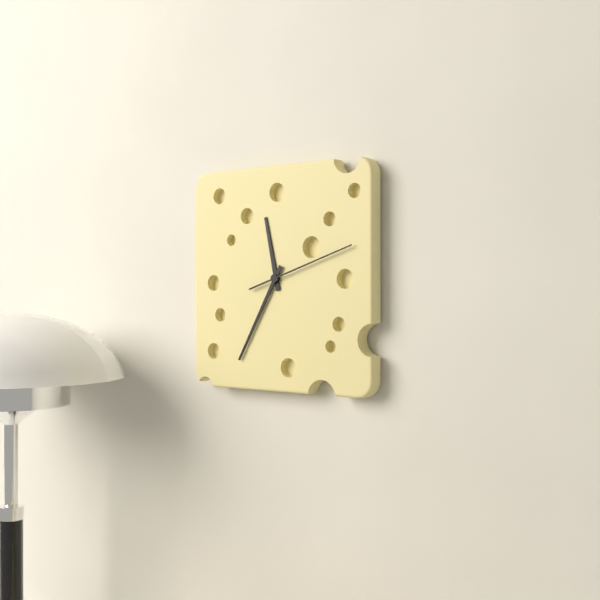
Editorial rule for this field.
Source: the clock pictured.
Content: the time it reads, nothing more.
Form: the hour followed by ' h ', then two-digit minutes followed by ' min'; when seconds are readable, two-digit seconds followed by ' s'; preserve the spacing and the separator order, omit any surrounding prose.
11 h 35 min 12 s
